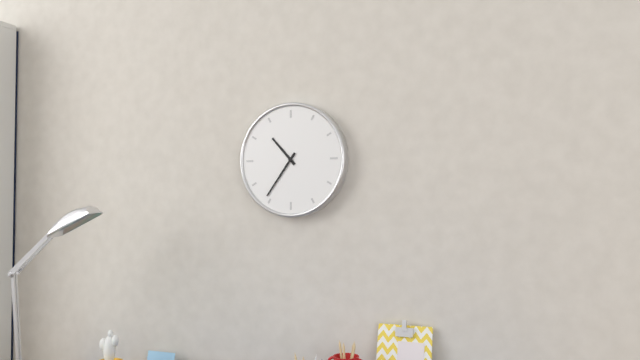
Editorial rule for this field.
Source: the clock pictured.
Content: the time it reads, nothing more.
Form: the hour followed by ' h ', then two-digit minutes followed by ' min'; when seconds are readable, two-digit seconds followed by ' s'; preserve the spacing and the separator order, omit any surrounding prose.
10 h 36 min
